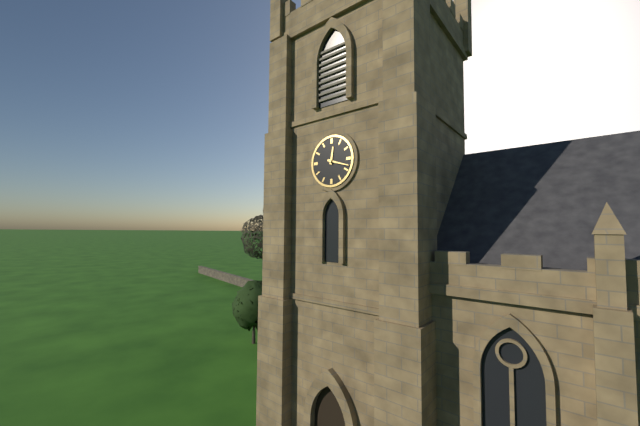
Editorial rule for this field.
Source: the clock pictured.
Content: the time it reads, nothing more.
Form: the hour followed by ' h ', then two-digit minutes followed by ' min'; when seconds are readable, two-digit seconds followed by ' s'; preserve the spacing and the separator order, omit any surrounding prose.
12 h 18 min
